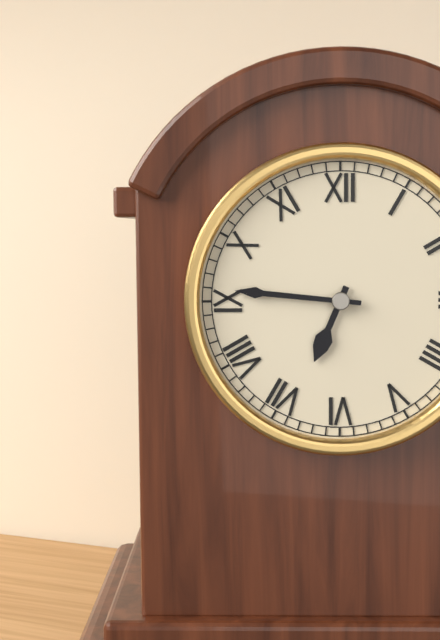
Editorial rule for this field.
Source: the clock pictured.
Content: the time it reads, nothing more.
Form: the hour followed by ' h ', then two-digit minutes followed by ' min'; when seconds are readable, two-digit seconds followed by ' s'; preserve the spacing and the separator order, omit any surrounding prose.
6 h 46 min
